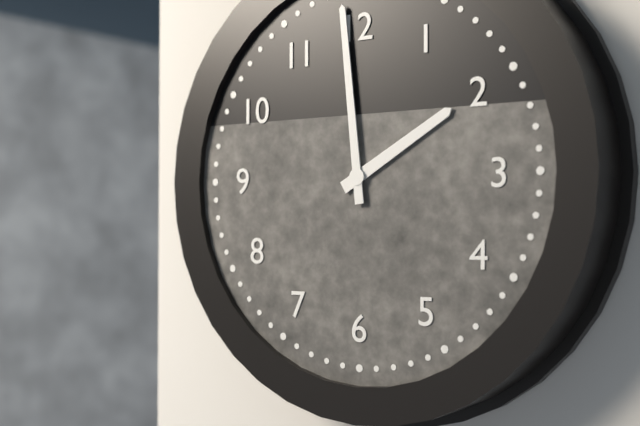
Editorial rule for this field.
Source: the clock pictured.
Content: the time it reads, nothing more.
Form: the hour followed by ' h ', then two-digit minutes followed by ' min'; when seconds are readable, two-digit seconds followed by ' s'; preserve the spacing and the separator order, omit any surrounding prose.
1 h 59 min
